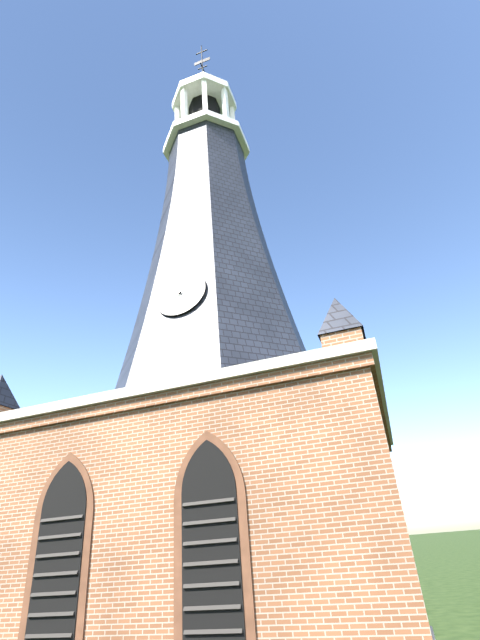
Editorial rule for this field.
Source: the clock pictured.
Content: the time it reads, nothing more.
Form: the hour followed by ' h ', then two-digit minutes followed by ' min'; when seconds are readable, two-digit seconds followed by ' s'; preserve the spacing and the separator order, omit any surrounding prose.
10 h 41 min
